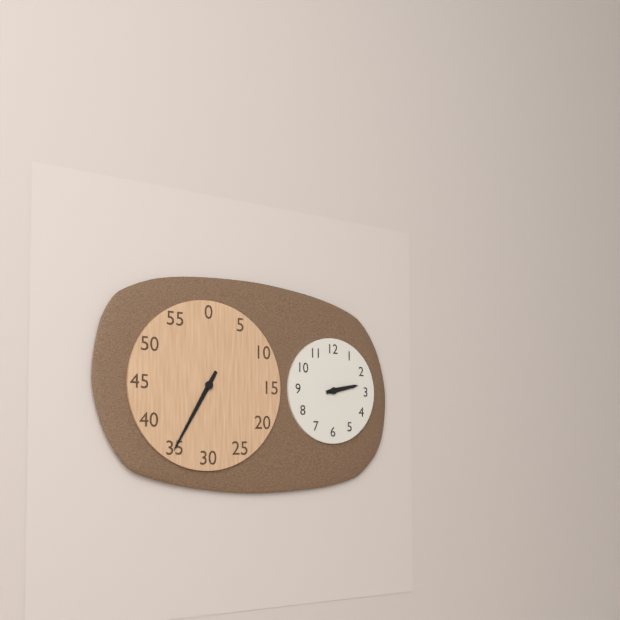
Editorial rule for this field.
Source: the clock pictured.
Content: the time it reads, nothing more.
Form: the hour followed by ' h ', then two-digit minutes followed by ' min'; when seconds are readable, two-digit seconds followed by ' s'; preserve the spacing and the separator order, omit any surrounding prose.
2 h 35 min
